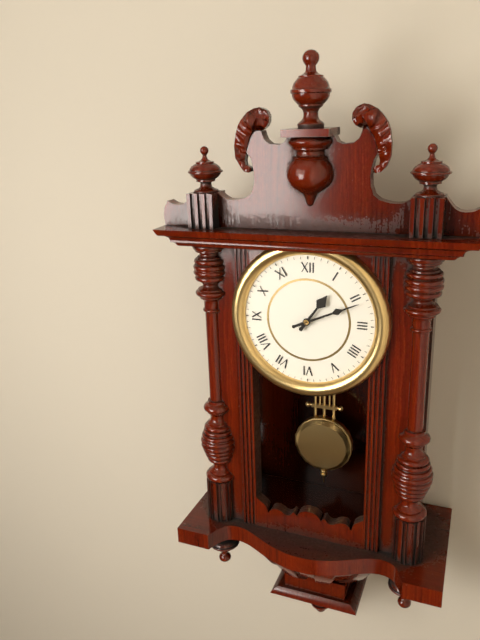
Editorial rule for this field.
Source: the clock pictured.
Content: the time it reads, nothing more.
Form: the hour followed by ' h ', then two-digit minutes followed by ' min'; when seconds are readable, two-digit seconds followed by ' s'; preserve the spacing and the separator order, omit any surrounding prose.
1 h 11 min
